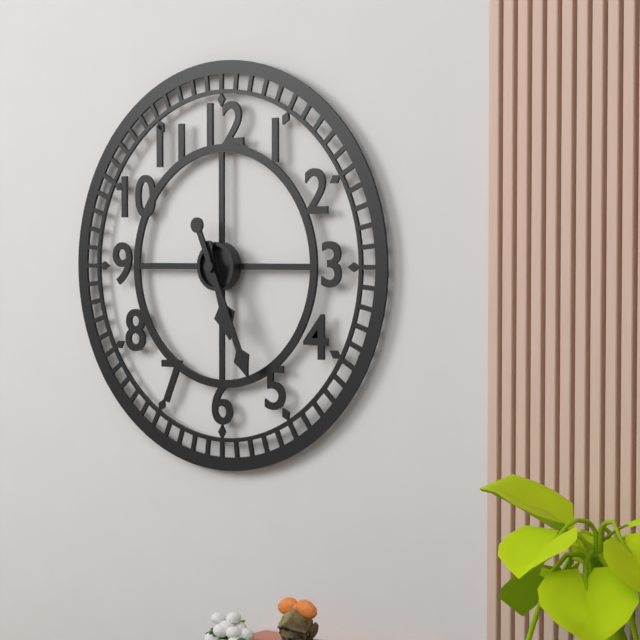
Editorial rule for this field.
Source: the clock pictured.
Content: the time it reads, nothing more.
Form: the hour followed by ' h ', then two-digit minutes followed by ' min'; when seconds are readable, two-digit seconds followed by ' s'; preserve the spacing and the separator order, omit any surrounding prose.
5 h 26 min
